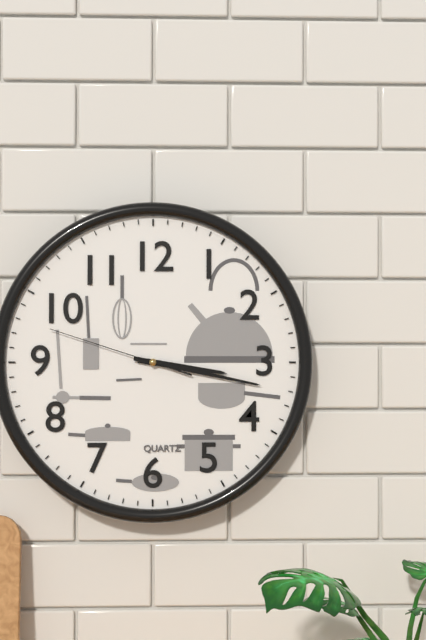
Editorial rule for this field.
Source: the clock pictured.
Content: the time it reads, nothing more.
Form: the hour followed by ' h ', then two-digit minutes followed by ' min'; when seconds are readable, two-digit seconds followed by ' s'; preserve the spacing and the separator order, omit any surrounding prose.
3 h 17 min 48 s
